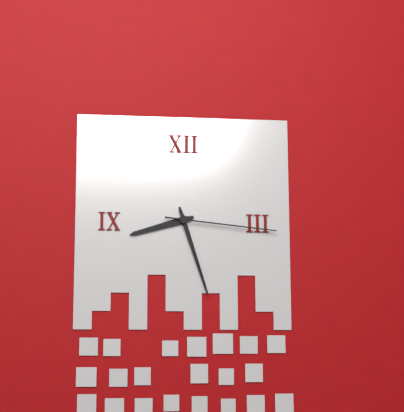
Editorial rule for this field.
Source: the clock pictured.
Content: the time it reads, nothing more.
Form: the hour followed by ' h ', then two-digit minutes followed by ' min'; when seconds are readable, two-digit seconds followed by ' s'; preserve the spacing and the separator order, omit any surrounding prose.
8 h 27 min 16 s
